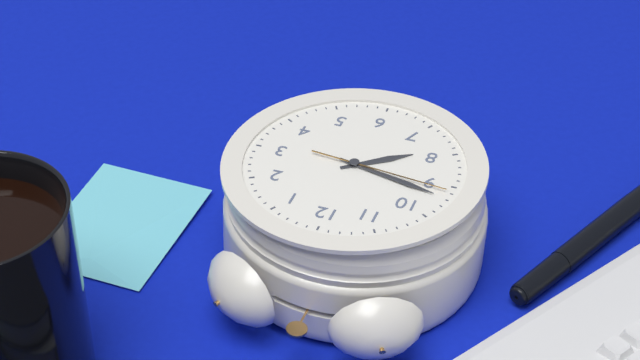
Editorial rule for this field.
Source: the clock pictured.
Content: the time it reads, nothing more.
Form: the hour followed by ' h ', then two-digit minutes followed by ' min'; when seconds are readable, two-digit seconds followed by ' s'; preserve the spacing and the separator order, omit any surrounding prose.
7 h 47 min 46 s
